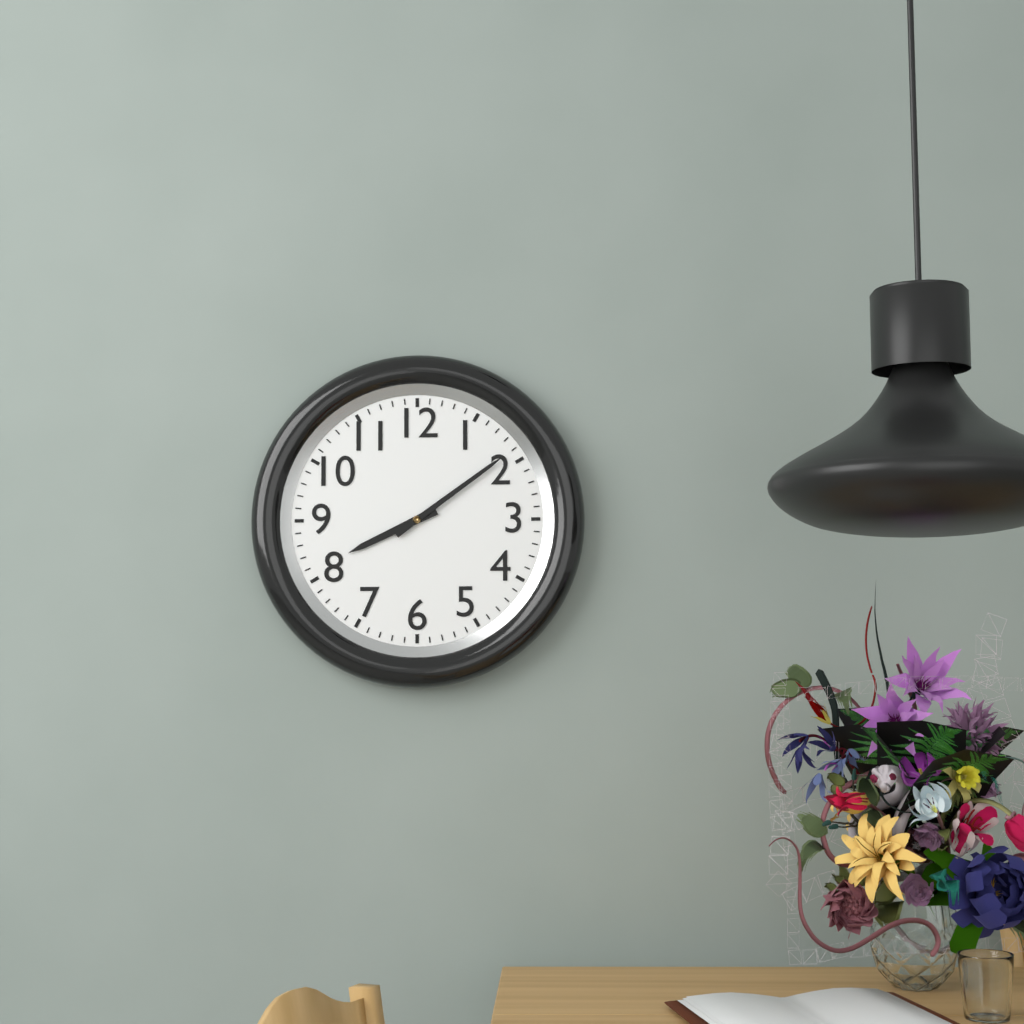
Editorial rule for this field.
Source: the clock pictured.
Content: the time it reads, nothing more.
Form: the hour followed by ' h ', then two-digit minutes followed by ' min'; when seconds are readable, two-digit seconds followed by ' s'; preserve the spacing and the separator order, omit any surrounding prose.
8 h 09 min
